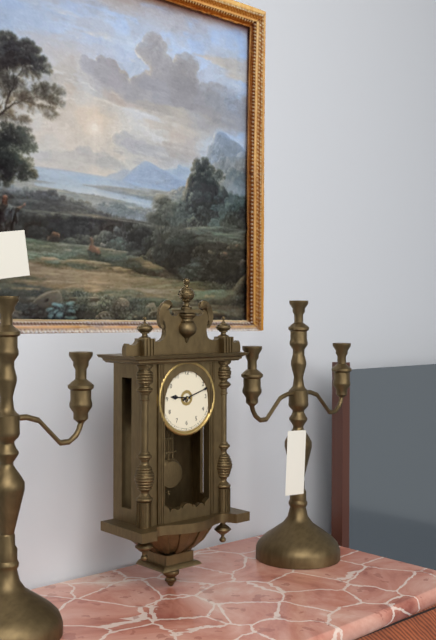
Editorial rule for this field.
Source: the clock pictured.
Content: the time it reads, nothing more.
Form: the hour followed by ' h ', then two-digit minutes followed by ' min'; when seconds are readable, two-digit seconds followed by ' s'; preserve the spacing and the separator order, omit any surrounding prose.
9 h 12 min
